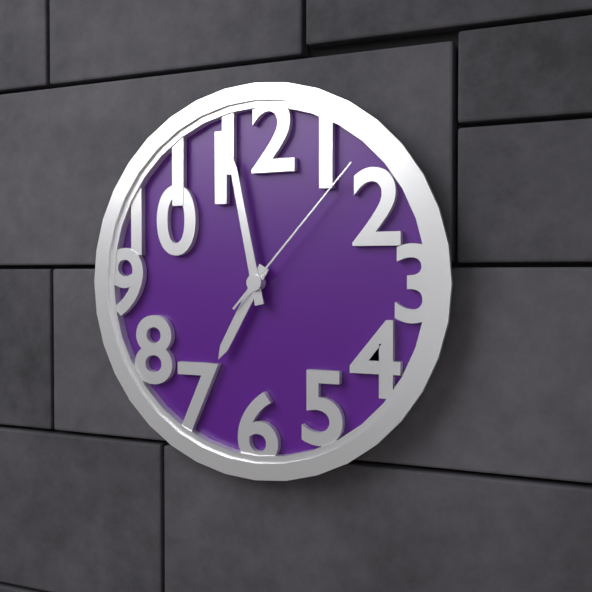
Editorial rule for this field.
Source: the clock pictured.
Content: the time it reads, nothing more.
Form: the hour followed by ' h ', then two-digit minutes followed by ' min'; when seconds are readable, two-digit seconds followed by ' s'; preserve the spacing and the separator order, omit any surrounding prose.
6 h 58 min 07 s
